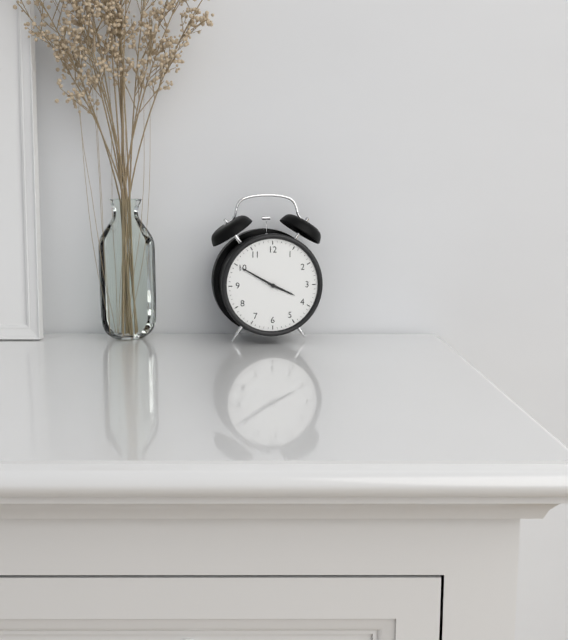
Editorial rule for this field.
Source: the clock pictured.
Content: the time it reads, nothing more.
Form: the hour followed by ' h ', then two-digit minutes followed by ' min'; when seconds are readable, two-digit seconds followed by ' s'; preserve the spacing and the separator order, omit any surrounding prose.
3 h 50 min
